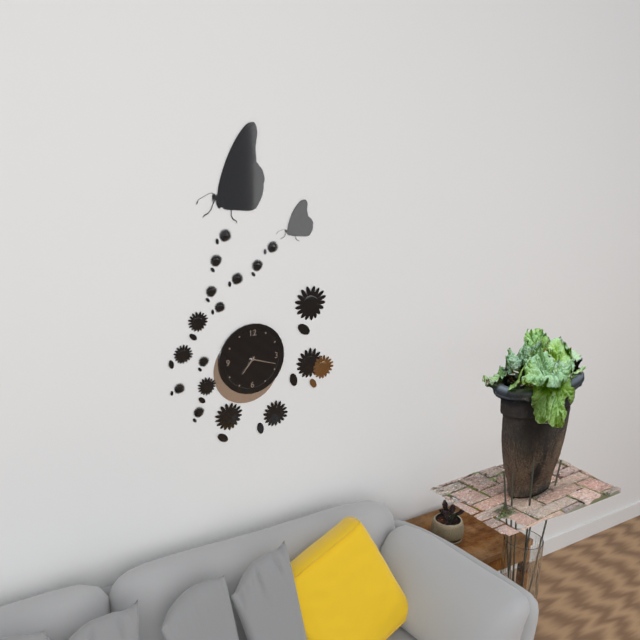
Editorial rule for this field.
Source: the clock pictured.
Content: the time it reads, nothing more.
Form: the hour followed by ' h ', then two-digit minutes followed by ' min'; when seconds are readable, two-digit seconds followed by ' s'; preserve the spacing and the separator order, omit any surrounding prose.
7 h 18 min
